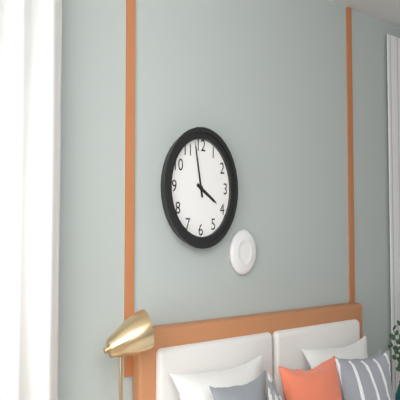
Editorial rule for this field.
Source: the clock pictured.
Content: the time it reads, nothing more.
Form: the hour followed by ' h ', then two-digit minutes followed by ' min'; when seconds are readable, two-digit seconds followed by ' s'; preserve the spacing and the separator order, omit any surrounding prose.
3 h 58 min
